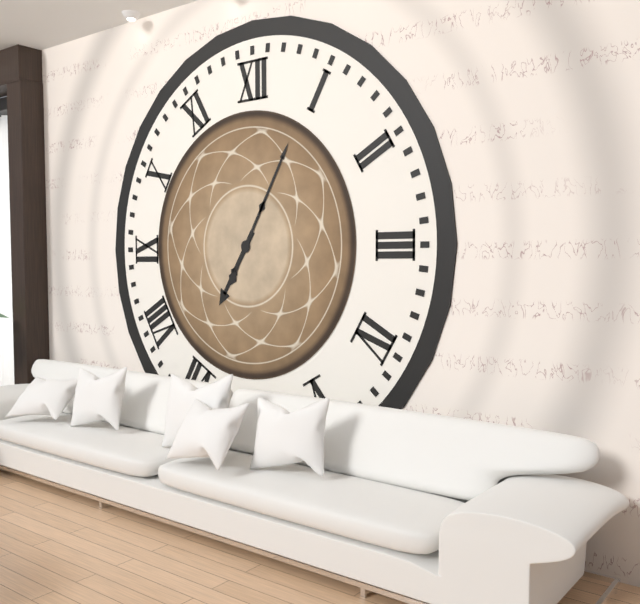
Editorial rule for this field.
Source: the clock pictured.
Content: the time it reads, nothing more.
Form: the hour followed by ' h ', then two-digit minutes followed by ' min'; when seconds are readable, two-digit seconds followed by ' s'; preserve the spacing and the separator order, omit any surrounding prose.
7 h 05 min
